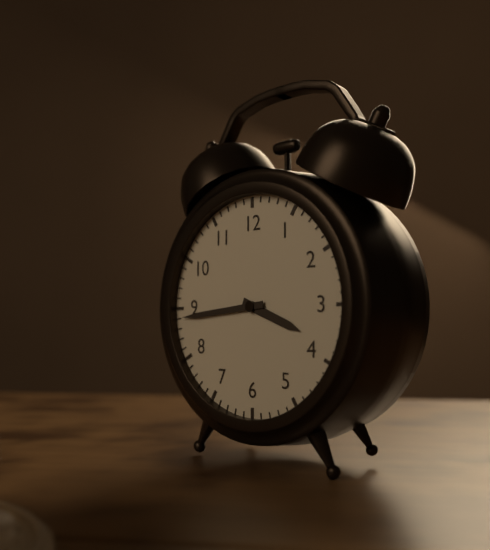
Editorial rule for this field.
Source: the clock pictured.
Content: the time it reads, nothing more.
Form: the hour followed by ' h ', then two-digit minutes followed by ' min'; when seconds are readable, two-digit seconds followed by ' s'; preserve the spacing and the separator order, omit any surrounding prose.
3 h 44 min
